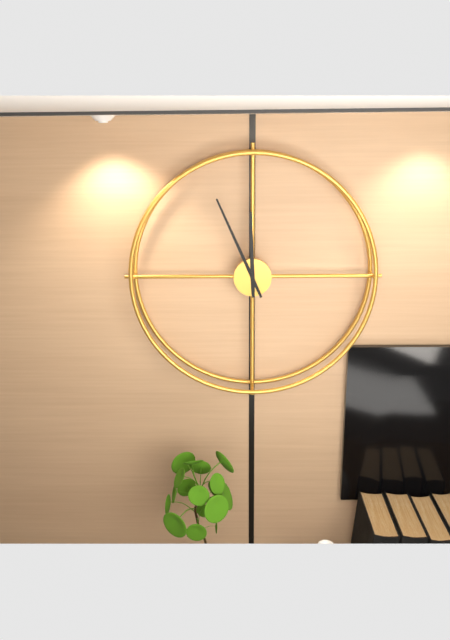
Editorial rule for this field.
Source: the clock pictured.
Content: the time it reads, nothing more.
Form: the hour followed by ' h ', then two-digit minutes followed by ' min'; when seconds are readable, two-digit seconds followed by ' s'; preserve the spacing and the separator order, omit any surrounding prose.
11 h 56 min
